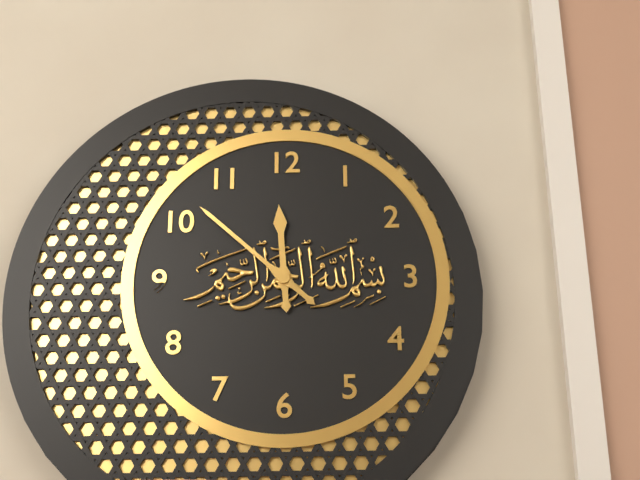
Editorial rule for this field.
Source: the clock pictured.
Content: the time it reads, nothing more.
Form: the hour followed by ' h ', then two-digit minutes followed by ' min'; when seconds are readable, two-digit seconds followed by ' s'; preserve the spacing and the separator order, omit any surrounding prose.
11 h 52 min
